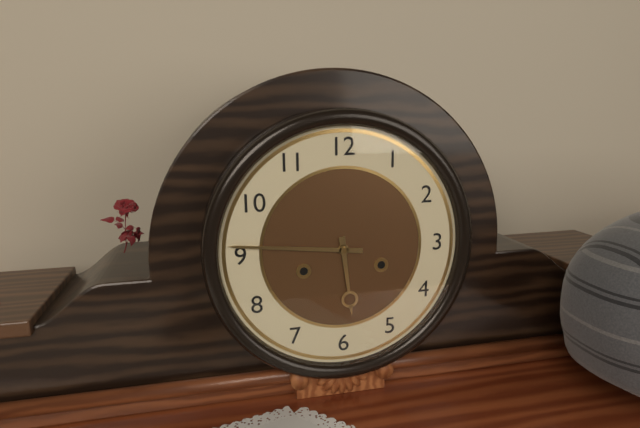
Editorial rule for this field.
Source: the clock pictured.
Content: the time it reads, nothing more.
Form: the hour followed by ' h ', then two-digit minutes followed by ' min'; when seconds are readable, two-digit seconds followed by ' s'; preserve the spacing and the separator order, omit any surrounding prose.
5 h 46 min
